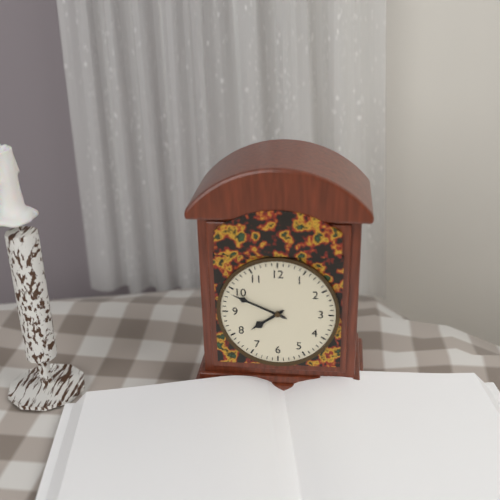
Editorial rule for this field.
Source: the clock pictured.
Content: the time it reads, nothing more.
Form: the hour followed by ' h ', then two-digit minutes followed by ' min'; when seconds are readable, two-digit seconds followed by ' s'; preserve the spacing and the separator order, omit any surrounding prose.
7 h 49 min
